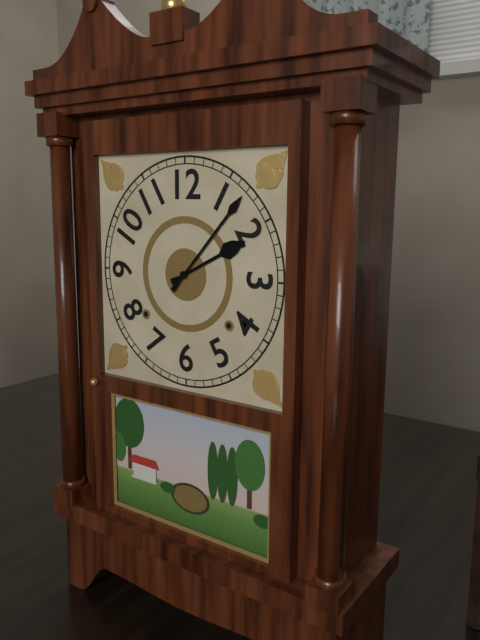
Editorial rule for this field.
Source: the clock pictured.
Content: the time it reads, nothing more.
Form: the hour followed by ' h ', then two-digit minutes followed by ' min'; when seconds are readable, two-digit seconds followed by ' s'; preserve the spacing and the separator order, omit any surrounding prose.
2 h 07 min
